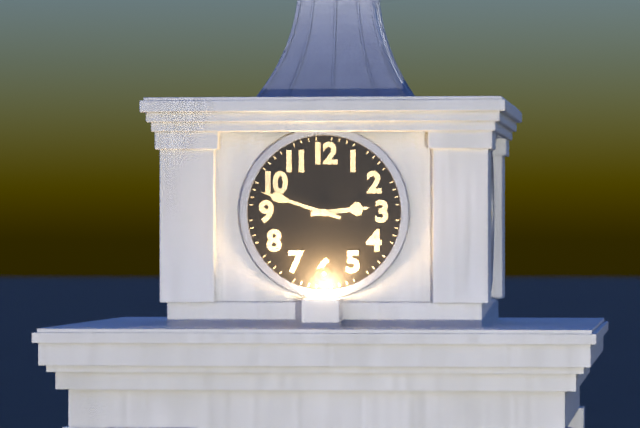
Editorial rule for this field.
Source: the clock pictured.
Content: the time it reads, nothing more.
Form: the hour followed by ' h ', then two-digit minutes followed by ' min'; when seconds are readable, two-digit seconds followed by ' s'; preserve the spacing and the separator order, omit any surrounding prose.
2 h 48 min
